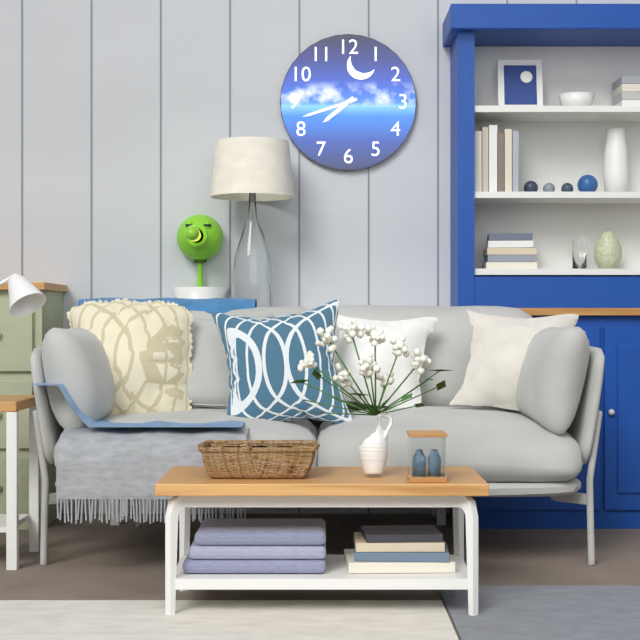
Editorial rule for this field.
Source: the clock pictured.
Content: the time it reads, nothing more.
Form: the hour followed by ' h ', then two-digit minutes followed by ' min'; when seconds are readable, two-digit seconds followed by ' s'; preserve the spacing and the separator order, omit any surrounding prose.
7 h 42 min
